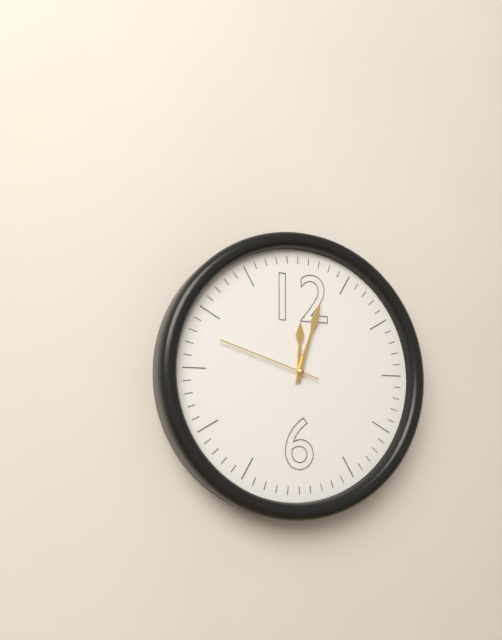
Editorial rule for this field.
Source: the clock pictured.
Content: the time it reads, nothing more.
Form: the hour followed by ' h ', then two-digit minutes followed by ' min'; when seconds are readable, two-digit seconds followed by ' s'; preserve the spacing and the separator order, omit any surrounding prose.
12 h 03 min 48 s
